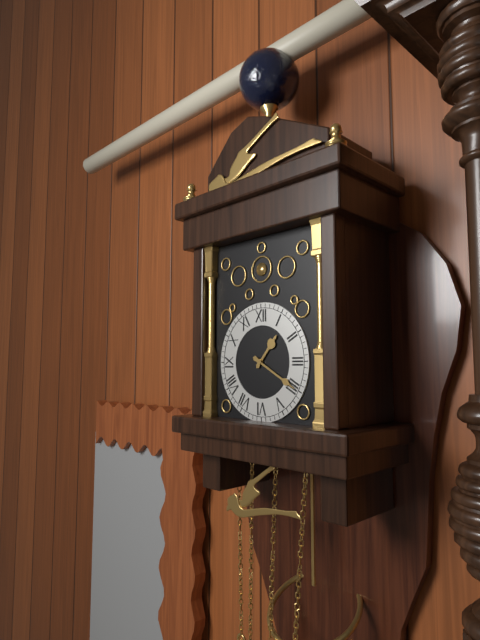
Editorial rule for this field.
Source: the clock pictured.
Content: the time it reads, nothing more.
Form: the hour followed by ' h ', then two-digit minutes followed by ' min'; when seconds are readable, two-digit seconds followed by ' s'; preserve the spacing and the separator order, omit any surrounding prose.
1 h 20 min
